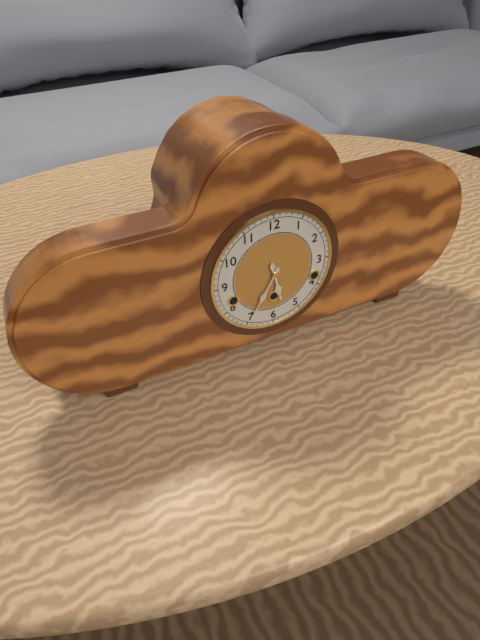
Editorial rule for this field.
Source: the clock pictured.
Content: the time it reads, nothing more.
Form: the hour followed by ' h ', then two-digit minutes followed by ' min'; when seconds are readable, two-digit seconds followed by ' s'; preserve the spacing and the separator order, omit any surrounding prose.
5 h 35 min
